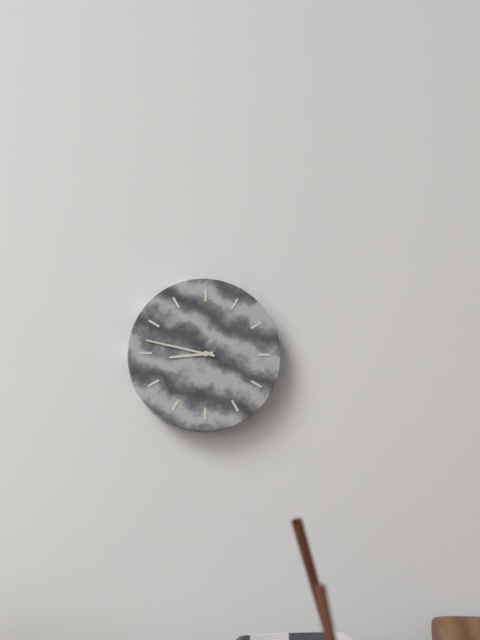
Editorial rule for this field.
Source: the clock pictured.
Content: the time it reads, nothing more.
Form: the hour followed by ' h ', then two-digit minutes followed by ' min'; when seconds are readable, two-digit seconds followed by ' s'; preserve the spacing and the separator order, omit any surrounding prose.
8 h 47 min
